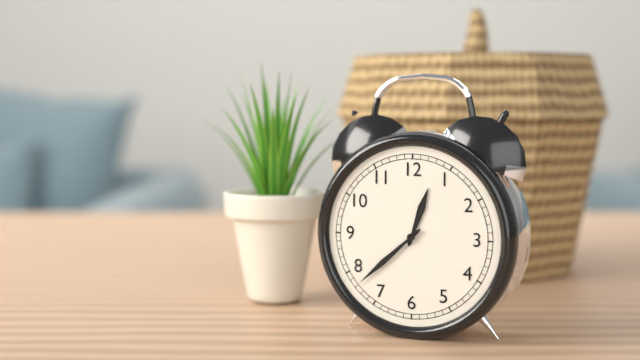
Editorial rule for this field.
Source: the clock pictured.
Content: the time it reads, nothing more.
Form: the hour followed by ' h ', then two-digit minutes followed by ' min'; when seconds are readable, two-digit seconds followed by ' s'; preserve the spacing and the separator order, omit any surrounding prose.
12 h 38 min
